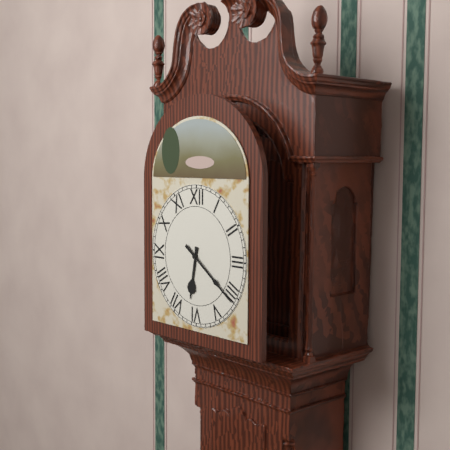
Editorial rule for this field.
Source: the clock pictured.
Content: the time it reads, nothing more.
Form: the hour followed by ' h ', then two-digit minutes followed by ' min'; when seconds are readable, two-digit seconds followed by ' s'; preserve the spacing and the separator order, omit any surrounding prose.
6 h 21 min
